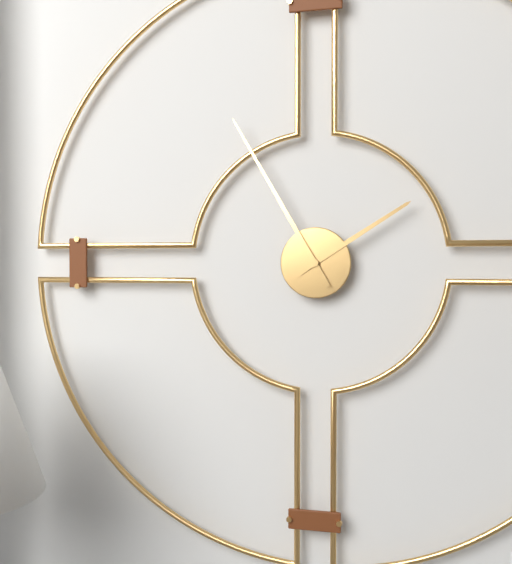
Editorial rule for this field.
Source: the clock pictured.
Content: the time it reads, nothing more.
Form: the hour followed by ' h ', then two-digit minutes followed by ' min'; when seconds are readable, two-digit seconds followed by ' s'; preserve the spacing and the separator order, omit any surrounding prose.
1 h 55 min
